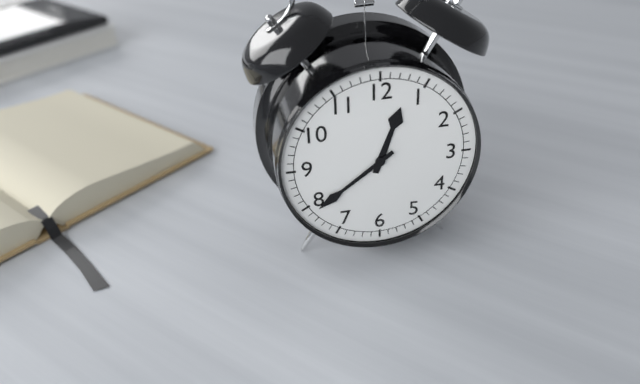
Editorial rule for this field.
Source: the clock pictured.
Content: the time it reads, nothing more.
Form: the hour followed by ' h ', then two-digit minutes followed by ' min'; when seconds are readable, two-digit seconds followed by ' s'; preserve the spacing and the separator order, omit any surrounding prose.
12 h 39 min
